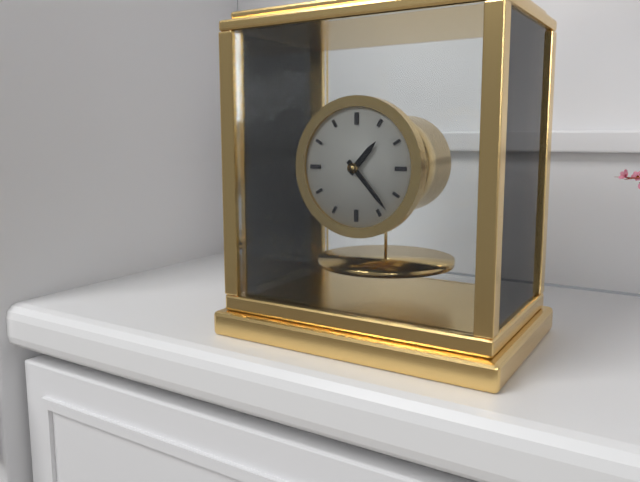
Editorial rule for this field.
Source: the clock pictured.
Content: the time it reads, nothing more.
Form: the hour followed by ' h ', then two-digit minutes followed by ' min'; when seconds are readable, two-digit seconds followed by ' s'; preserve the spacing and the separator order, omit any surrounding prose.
1 h 23 min
